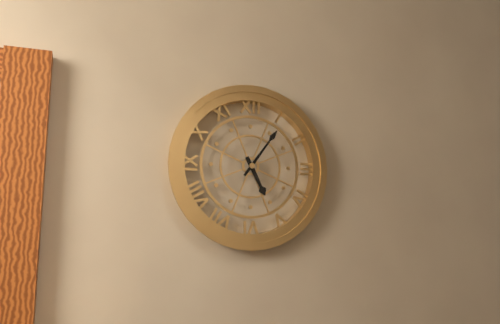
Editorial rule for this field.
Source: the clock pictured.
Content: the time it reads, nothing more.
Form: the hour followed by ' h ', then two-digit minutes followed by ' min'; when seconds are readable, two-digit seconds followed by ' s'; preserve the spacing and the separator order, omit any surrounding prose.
5 h 06 min
